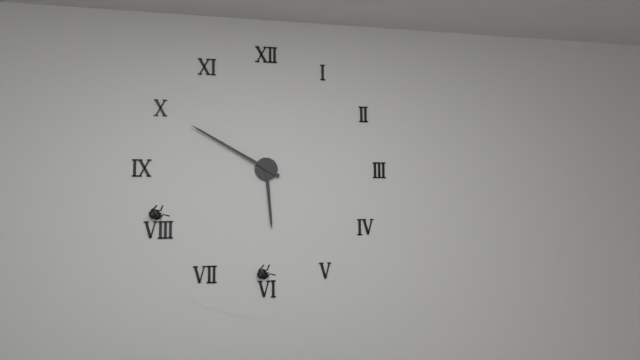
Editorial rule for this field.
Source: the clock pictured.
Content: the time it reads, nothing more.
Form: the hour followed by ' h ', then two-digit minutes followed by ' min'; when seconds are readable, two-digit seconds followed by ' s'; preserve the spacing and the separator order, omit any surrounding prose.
5 h 50 min
